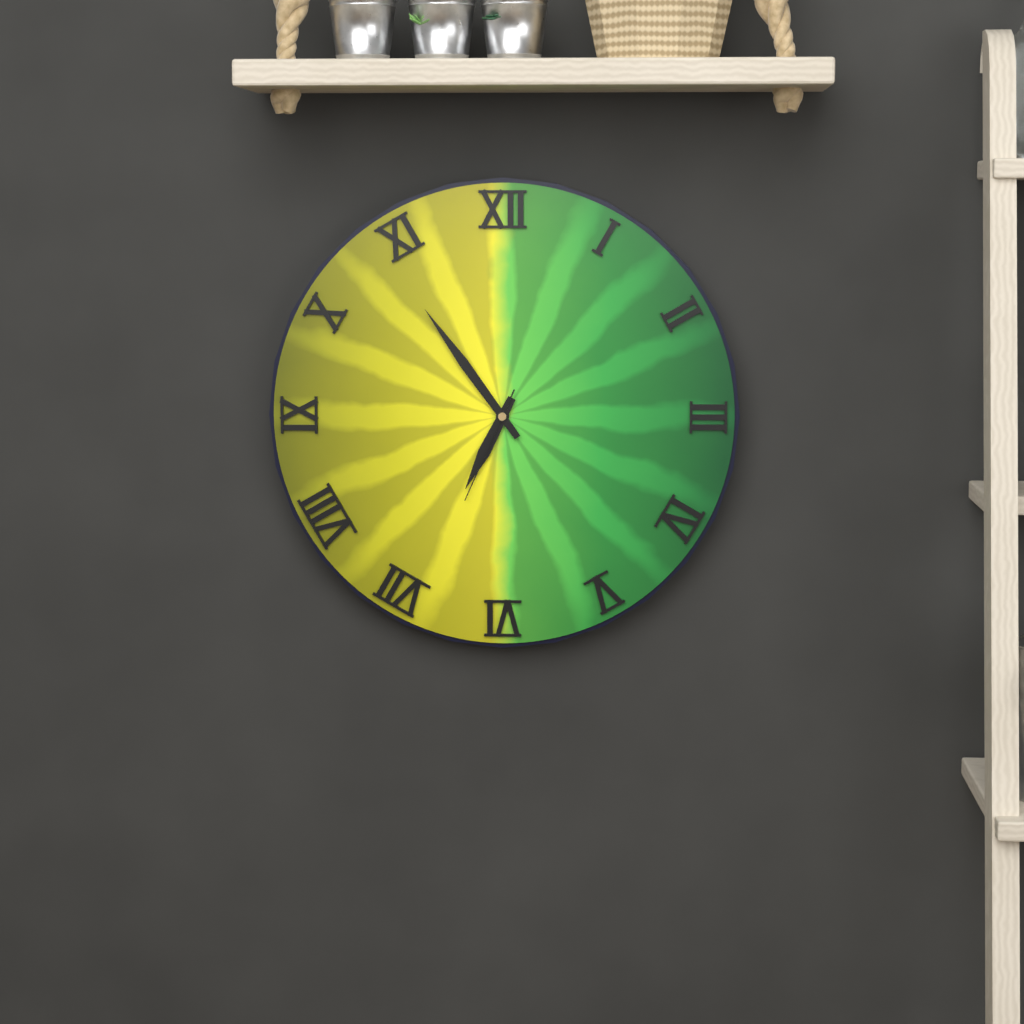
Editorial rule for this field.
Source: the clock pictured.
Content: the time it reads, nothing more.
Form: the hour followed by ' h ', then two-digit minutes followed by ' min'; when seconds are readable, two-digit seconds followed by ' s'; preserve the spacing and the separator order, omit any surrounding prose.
6 h 54 min 34 s
